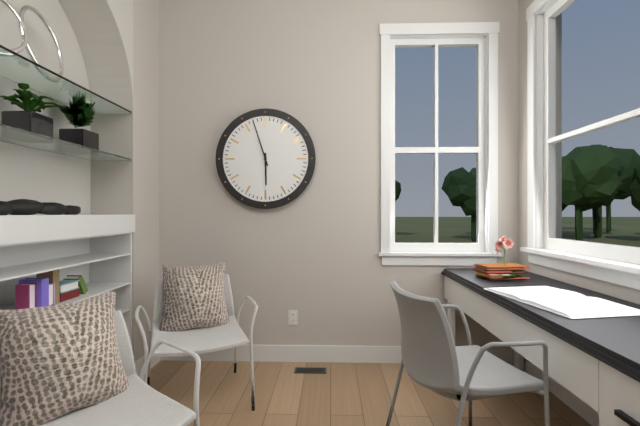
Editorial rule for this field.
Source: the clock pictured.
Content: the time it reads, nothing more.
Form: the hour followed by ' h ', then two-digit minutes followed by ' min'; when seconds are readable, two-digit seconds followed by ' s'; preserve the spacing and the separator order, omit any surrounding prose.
5 h 57 min
